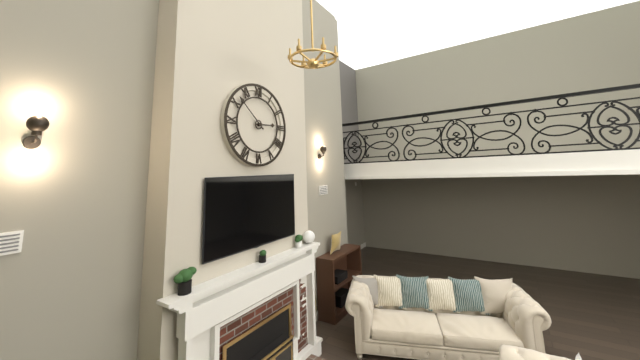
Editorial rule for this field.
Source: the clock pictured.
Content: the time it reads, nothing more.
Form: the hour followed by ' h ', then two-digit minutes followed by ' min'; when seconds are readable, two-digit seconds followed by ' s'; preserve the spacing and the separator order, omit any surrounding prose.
2 h 52 min
